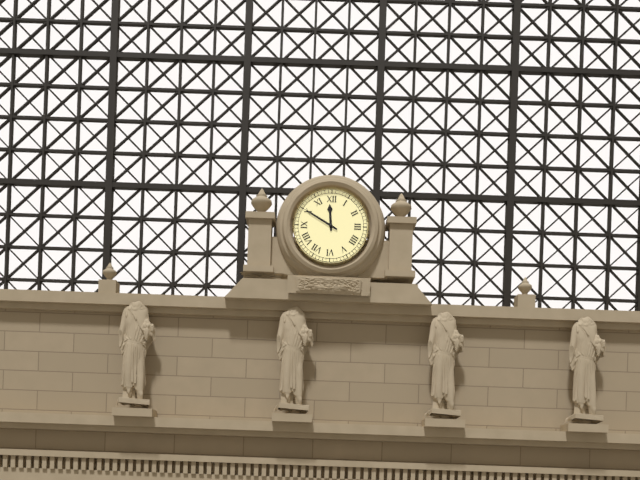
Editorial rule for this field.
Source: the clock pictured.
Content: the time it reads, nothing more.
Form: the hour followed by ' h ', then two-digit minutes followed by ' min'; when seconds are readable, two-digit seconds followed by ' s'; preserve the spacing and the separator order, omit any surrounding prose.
11 h 50 min
